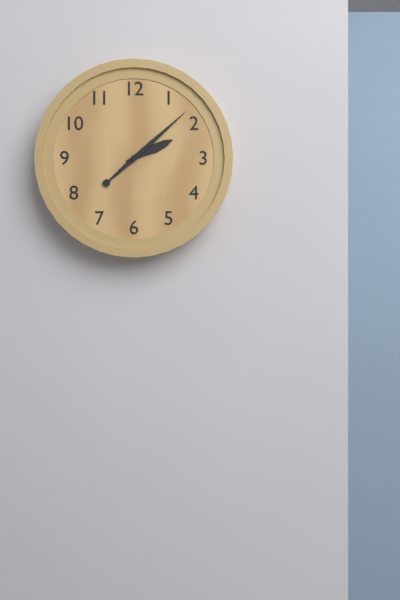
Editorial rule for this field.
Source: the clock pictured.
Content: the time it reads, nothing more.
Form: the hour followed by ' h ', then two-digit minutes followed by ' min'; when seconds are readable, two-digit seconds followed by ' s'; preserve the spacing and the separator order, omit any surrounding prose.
2 h 08 min
